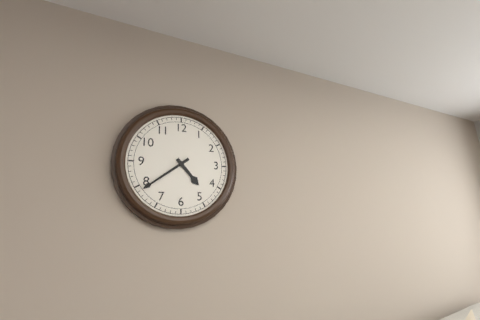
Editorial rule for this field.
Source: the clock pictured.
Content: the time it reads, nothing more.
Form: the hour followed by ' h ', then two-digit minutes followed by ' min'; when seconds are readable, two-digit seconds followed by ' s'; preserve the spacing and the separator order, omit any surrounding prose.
4 h 39 min
